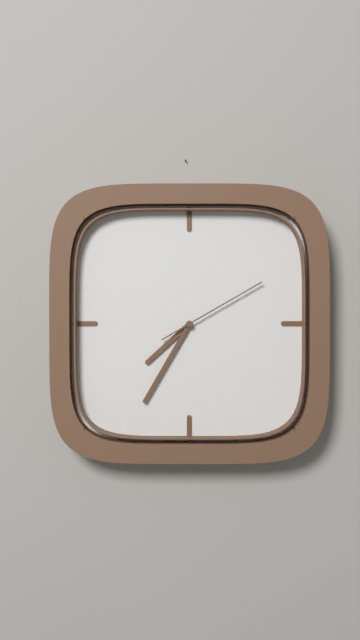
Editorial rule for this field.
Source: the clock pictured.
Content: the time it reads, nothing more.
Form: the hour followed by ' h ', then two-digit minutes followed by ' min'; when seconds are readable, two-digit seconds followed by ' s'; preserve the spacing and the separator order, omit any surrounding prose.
7 h 35 min 10 s
